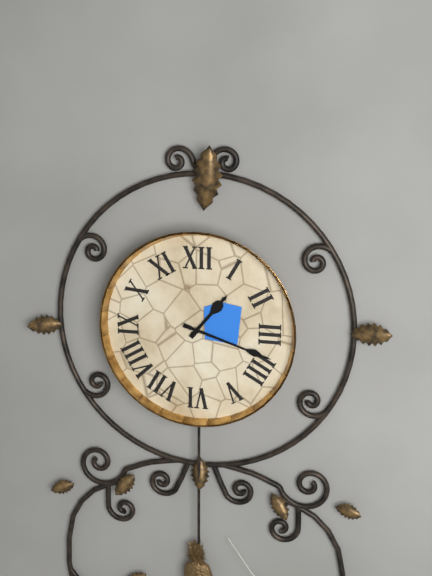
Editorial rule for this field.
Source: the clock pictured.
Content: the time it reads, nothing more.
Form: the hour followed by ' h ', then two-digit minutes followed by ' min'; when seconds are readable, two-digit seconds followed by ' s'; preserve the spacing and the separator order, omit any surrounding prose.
1 h 18 min
